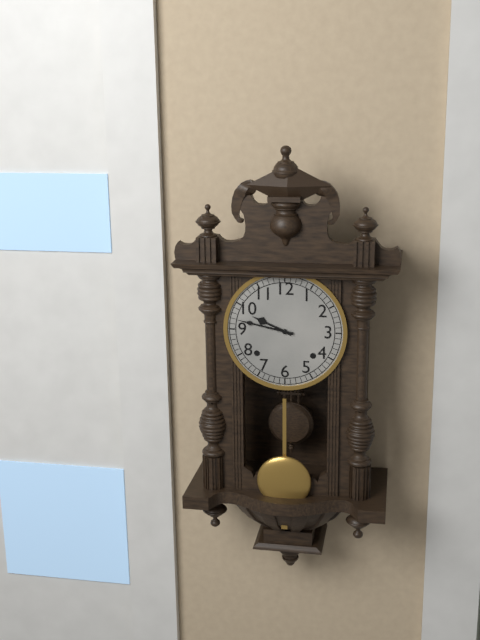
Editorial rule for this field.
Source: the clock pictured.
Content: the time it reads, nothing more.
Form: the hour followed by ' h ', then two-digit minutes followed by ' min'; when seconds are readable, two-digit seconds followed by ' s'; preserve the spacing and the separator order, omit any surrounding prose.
9 h 47 min
